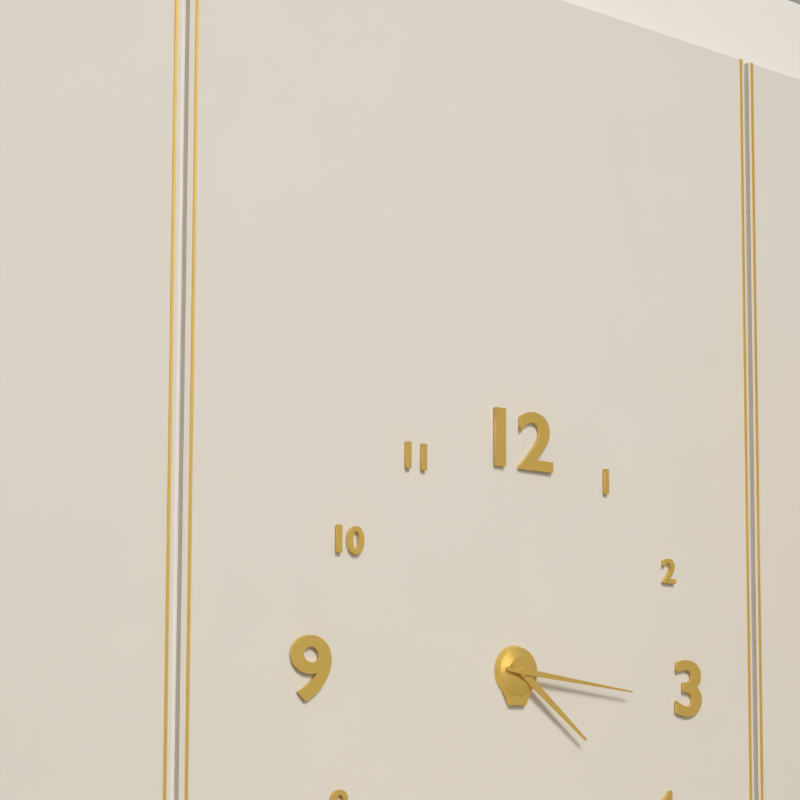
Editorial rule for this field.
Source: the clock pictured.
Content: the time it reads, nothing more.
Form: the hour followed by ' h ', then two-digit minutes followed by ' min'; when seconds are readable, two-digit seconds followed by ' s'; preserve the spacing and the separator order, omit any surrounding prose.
4 h 16 min
